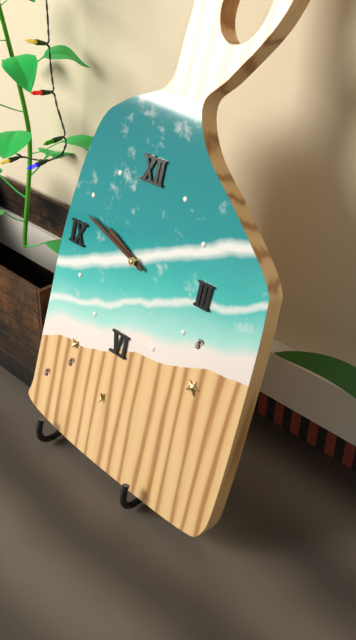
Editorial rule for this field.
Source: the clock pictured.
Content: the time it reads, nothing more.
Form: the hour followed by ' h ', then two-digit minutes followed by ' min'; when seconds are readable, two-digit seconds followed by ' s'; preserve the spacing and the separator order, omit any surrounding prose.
9 h 48 min
